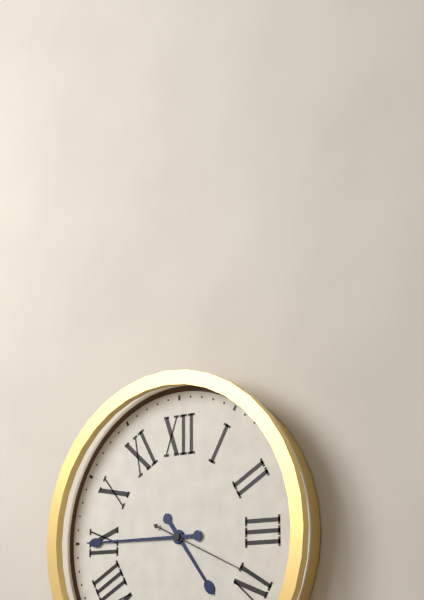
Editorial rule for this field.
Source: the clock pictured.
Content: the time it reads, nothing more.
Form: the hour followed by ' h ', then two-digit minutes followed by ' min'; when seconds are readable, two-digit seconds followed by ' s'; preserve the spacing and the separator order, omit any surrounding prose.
4 h 45 min 19 s
